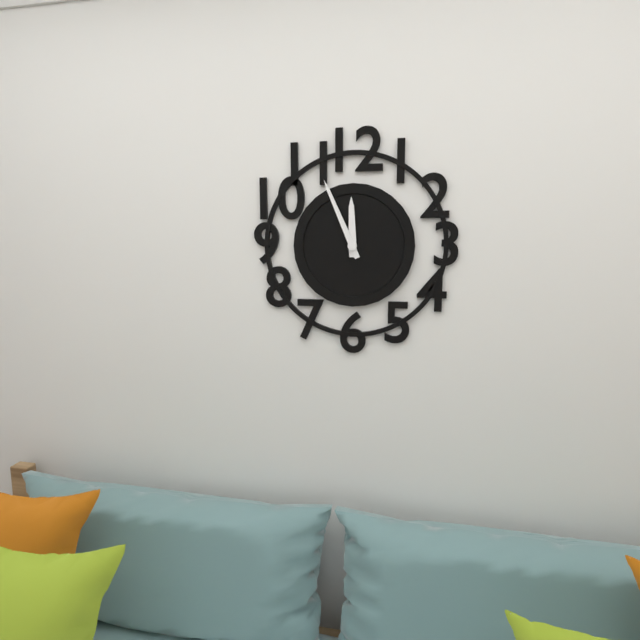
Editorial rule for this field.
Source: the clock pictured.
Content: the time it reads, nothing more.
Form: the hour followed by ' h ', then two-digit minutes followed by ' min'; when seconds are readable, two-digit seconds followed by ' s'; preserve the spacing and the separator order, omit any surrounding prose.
11 h 56 min
